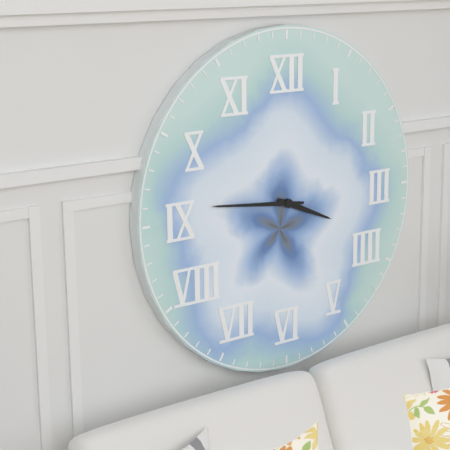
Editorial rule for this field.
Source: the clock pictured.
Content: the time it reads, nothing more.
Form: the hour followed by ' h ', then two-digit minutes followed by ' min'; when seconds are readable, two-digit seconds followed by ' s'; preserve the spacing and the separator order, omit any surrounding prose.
3 h 46 min
